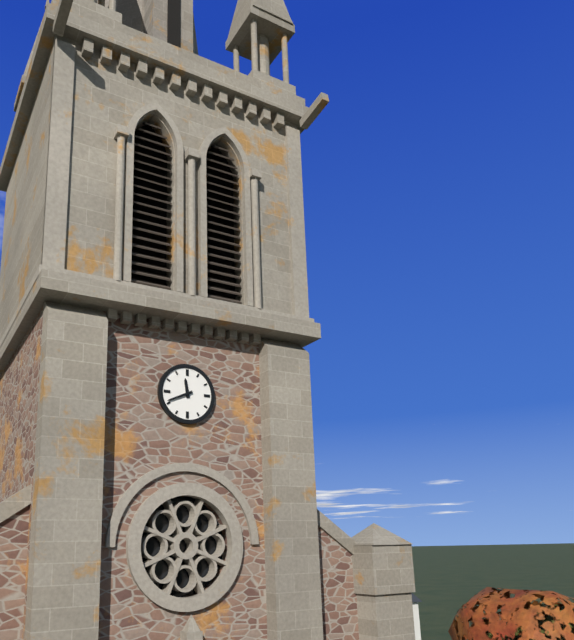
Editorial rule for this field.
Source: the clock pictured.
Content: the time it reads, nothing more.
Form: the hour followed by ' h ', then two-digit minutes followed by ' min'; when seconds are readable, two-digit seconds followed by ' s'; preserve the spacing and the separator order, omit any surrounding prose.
11 h 41 min
